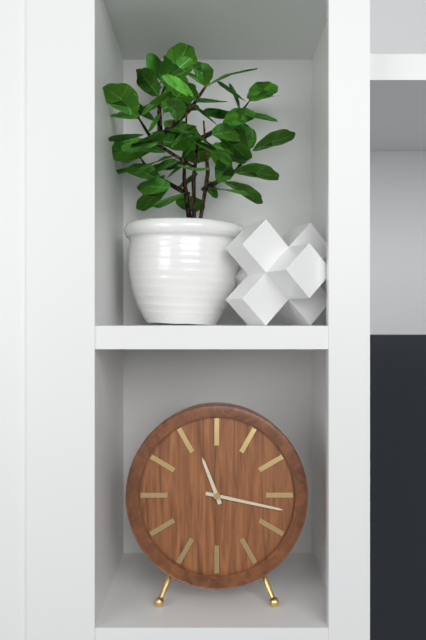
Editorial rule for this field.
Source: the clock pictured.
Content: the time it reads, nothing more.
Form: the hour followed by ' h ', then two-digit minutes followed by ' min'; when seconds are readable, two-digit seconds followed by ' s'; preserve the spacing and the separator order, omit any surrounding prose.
11 h 17 min
